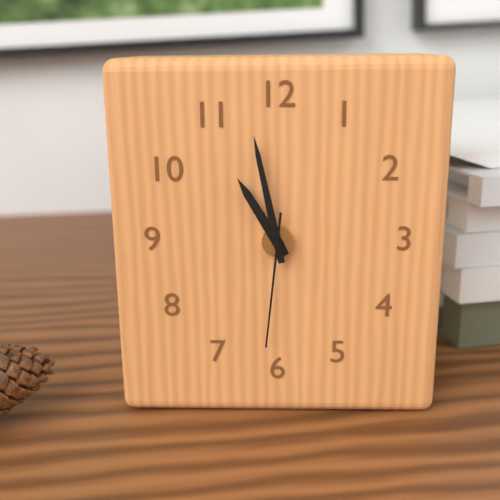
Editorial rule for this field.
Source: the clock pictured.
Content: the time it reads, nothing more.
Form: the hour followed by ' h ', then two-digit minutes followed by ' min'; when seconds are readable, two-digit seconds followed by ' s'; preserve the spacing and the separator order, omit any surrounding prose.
10 h 58 min 31 s
